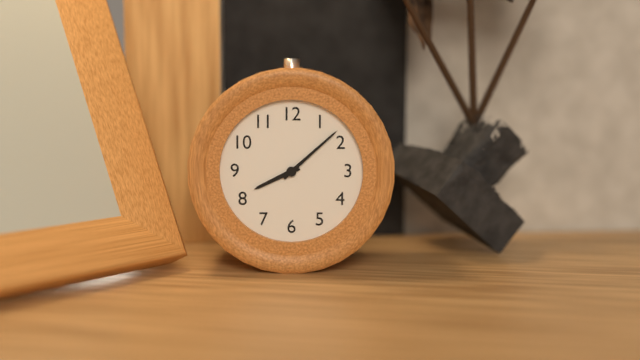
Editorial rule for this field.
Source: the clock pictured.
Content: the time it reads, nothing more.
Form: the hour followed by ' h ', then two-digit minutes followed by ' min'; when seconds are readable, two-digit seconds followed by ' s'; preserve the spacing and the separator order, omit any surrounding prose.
8 h 08 min
